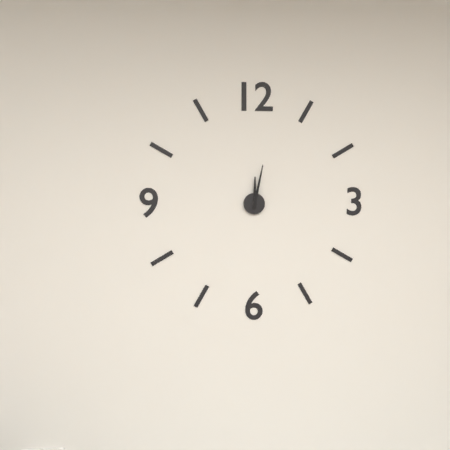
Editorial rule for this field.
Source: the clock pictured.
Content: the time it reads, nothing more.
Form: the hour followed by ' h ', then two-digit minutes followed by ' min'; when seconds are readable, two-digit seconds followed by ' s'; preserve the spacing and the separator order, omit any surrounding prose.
12 h 02 min
